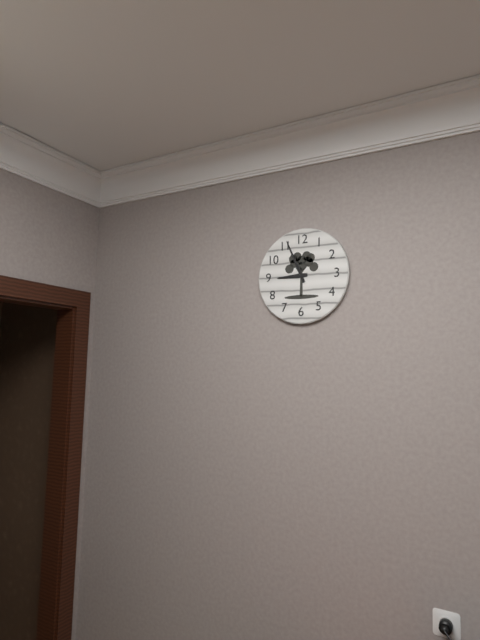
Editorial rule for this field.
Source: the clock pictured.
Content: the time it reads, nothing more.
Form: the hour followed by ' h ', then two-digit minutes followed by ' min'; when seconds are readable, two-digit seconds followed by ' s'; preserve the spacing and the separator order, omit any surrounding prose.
8 h 56 min
